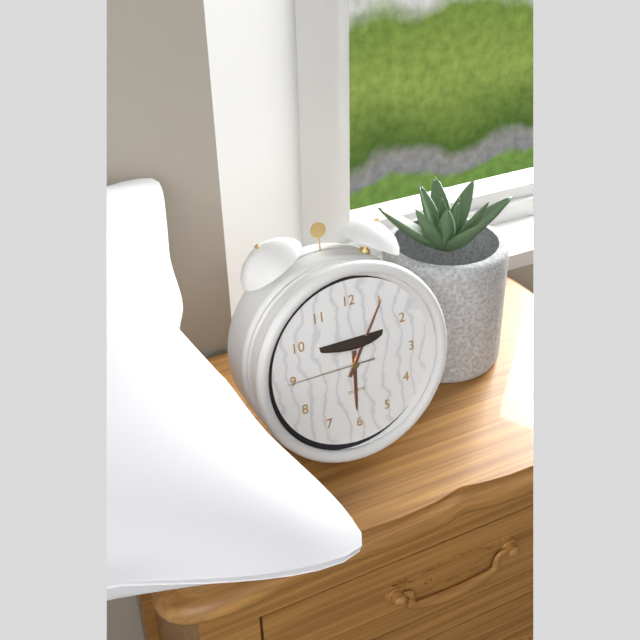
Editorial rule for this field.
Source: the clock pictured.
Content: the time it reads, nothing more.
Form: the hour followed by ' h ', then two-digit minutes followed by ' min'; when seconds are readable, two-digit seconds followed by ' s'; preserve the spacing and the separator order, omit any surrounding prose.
6 h 05 min 45 s
